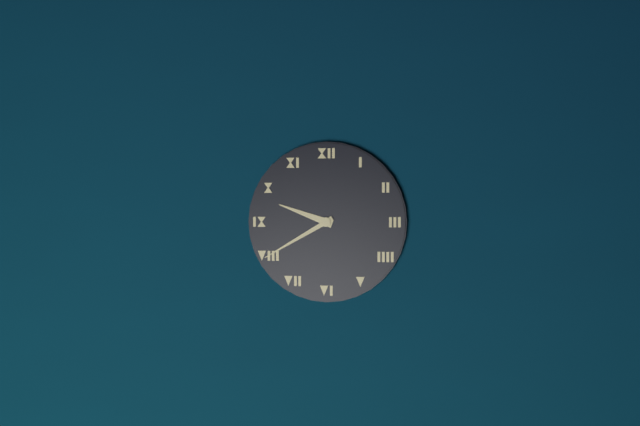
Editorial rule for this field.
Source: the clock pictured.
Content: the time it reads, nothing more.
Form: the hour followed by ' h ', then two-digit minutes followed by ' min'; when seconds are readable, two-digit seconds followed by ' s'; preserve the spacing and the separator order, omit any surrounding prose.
9 h 40 min
